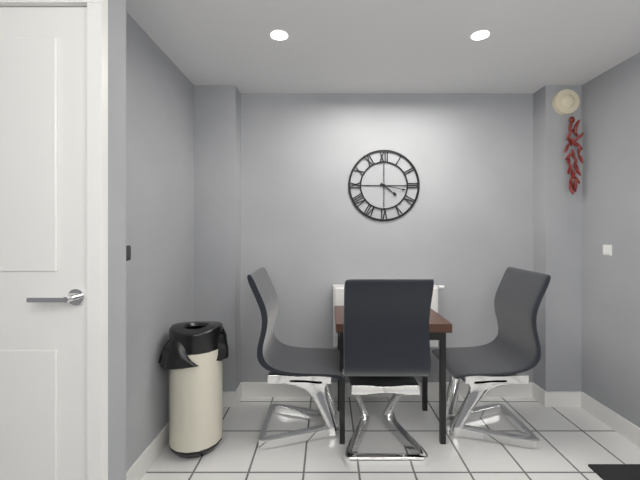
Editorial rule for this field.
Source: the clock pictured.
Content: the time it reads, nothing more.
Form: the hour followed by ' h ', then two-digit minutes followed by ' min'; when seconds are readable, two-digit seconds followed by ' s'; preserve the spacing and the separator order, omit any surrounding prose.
4 h 17 min
